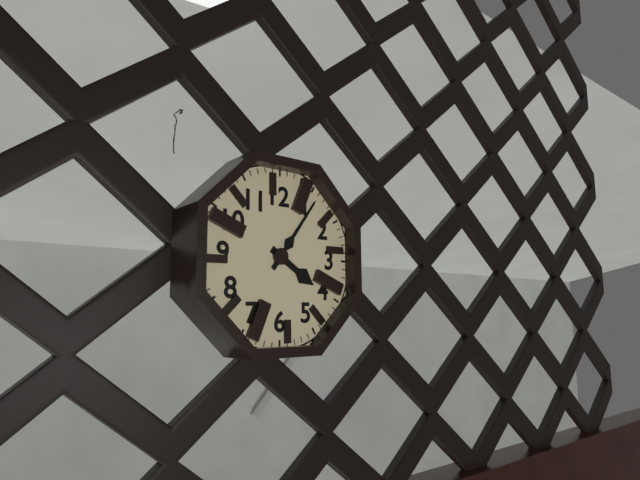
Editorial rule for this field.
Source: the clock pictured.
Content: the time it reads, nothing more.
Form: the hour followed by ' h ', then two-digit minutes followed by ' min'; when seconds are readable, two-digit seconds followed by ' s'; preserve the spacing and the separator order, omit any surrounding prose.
4 h 06 min
